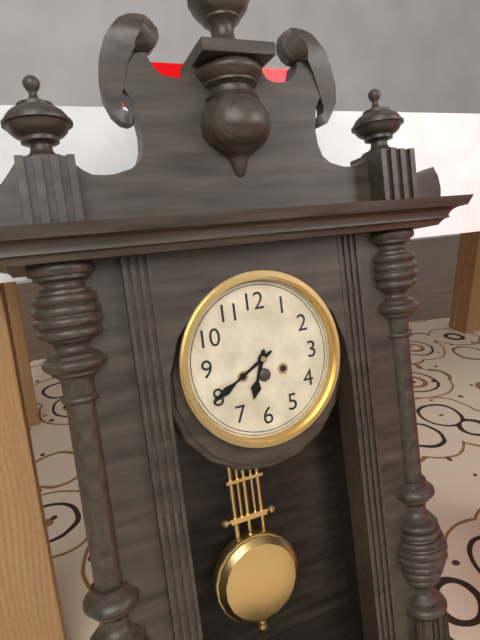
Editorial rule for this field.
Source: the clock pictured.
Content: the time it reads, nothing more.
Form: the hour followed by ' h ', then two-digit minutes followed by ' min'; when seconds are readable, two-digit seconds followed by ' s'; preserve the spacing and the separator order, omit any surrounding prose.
6 h 40 min
